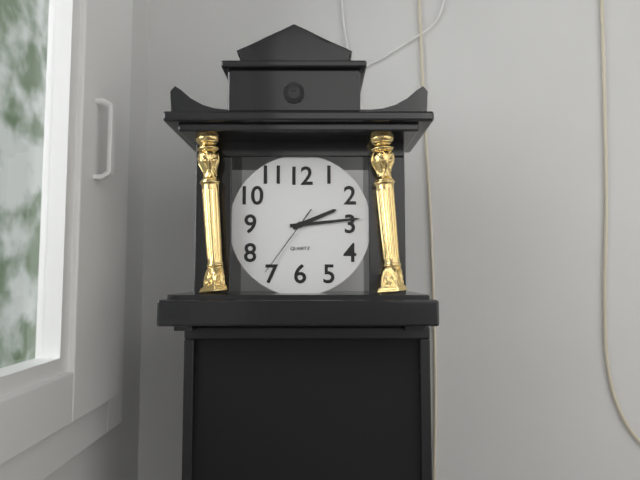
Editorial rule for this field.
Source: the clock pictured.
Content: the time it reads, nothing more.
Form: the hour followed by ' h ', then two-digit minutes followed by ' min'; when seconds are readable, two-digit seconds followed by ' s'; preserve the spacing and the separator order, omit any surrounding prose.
2 h 14 min 36 s
